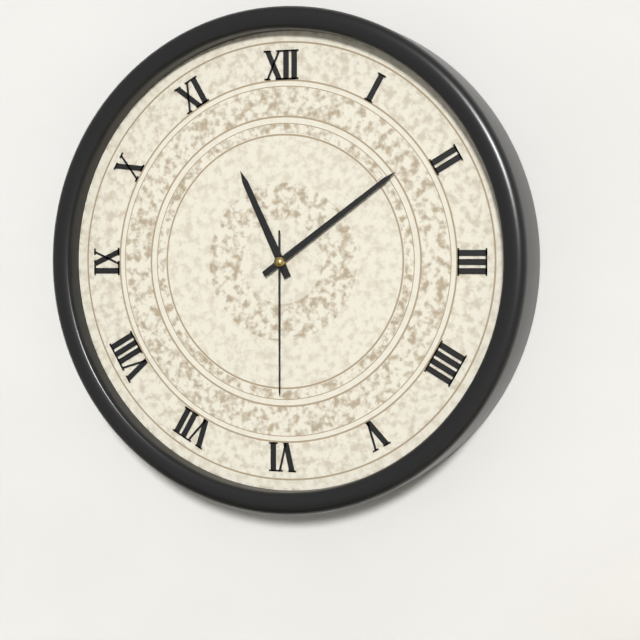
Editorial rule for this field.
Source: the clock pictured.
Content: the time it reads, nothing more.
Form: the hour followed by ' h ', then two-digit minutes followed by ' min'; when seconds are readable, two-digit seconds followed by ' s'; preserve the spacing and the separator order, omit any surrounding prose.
11 h 09 min 30 s
